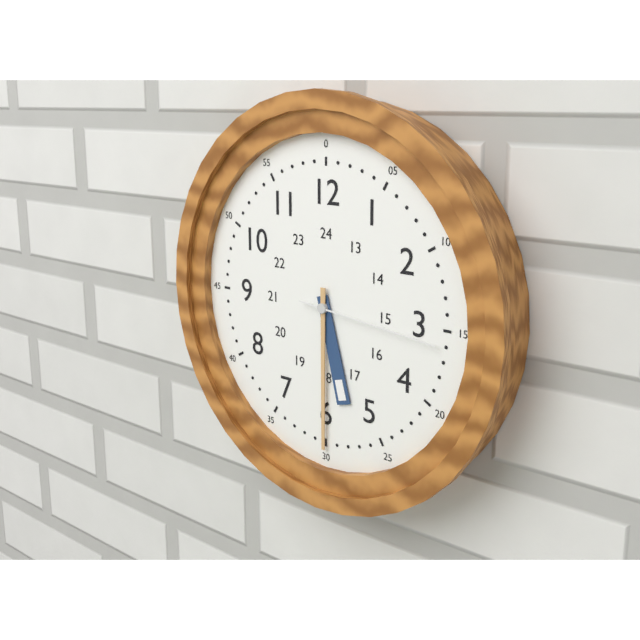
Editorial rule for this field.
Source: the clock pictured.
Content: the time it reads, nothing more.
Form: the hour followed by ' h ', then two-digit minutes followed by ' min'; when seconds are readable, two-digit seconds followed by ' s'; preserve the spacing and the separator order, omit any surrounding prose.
5 h 30 min 16 s
